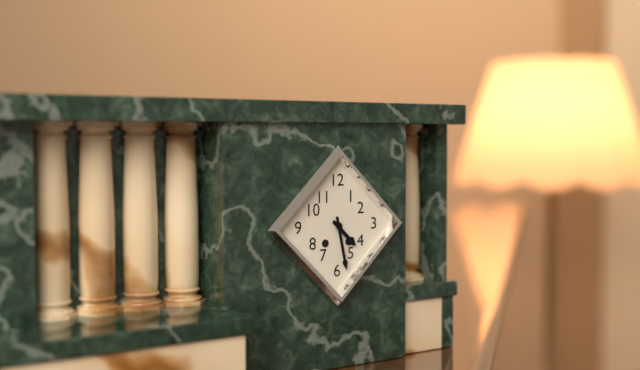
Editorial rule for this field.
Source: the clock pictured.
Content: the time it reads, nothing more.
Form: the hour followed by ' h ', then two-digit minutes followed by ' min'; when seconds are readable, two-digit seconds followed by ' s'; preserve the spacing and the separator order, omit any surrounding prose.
4 h 28 min
